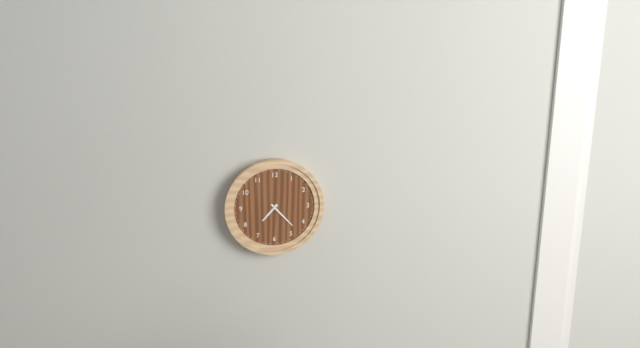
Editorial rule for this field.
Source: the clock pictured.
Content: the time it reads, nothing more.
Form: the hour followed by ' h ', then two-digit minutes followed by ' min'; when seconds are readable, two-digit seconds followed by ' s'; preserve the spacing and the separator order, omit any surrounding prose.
7 h 23 min
